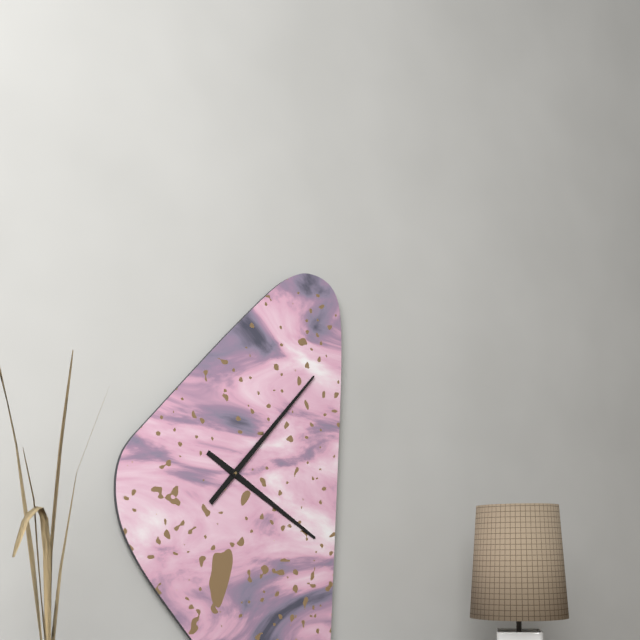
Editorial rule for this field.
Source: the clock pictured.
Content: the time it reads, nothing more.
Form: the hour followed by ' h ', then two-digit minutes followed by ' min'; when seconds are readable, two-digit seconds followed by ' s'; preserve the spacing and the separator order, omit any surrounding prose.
4 h 07 min
